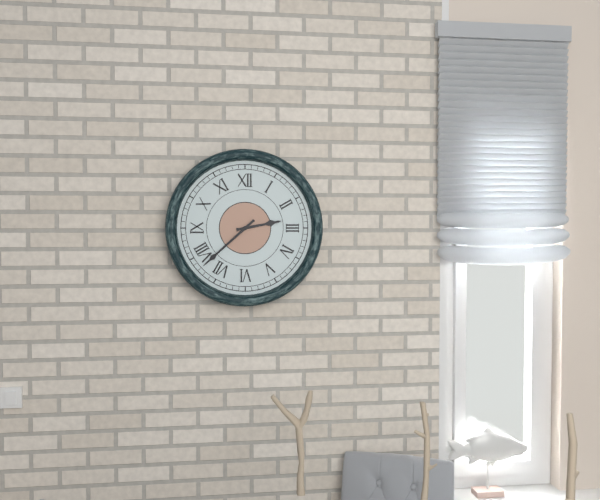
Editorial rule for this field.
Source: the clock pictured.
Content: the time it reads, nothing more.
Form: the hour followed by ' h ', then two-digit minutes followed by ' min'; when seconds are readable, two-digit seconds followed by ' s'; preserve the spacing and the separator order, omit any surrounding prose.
2 h 38 min
